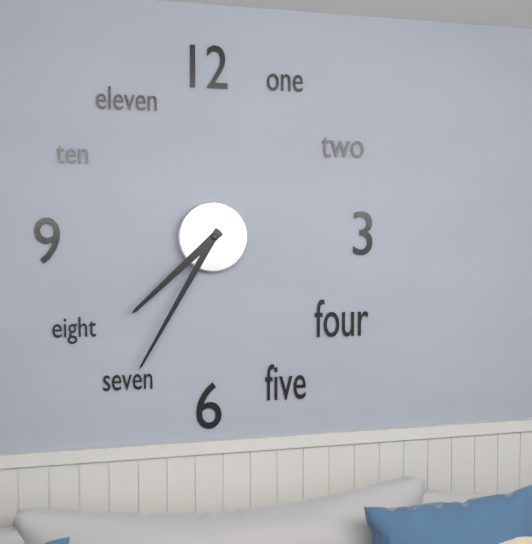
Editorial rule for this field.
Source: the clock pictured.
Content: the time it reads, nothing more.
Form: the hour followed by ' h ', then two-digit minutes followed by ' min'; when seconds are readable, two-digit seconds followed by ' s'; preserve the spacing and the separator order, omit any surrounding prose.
7 h 35 min
